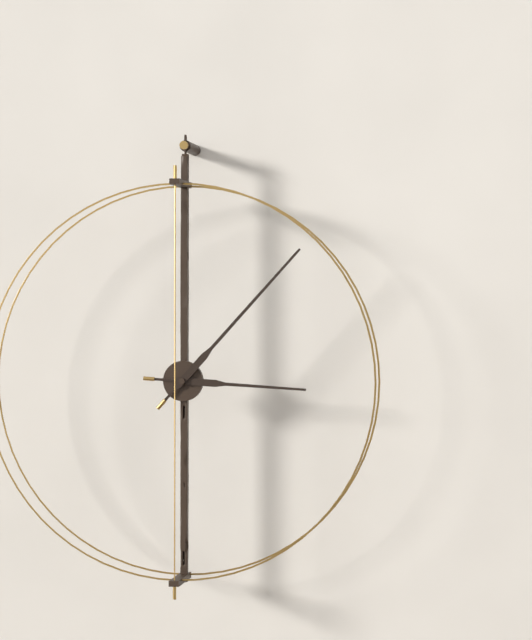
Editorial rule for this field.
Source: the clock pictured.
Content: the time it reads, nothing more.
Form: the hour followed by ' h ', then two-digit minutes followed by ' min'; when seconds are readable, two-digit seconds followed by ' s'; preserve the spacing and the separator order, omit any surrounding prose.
3 h 07 min
